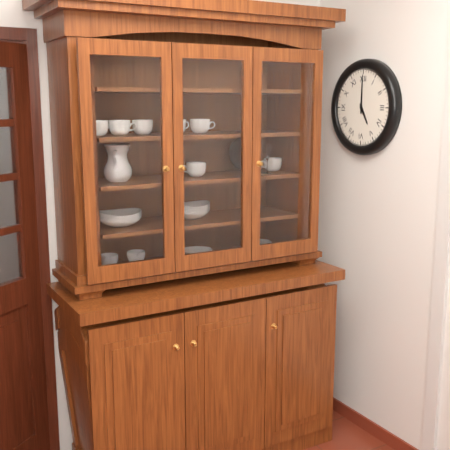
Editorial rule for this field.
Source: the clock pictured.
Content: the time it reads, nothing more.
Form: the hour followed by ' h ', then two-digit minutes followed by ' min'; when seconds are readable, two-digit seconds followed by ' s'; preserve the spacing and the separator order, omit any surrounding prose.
5 h 00 min
